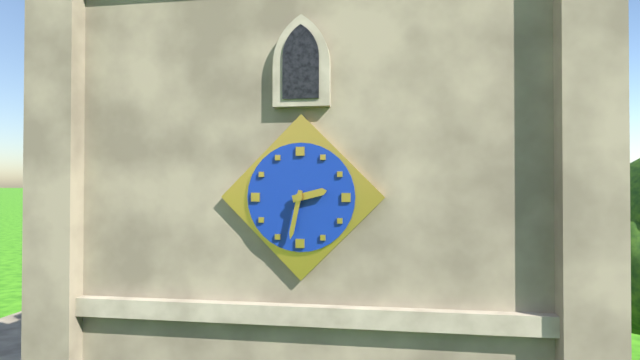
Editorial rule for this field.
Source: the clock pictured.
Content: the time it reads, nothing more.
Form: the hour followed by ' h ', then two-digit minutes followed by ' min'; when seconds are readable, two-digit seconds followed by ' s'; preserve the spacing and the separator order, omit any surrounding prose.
2 h 32 min
